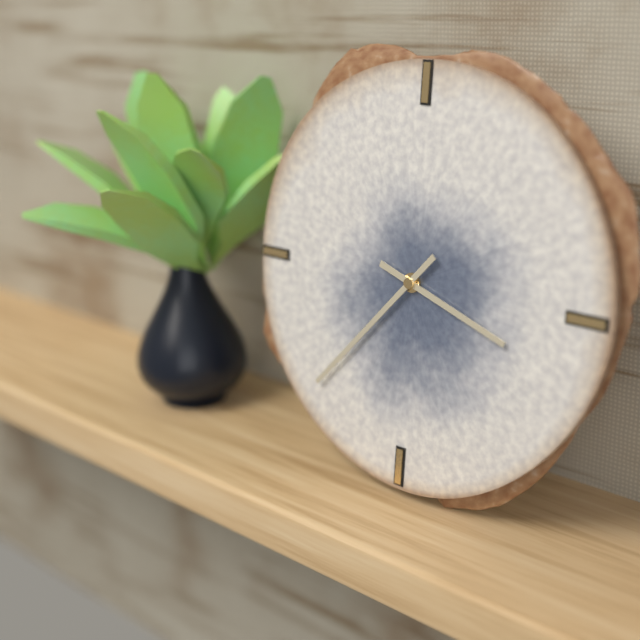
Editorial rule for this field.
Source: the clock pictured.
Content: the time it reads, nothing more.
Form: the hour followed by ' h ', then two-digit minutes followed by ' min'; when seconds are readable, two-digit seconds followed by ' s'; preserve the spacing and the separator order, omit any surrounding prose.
3 h 37 min
